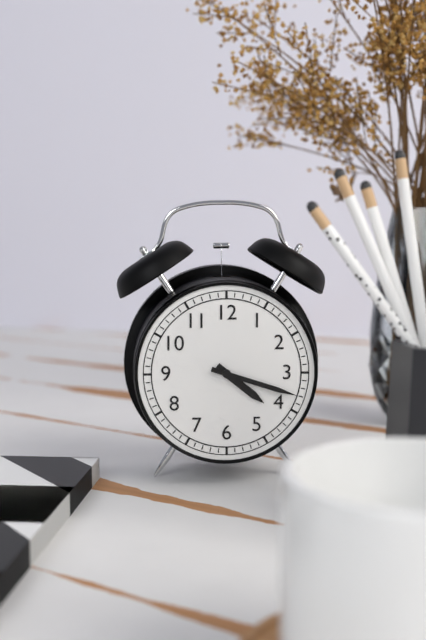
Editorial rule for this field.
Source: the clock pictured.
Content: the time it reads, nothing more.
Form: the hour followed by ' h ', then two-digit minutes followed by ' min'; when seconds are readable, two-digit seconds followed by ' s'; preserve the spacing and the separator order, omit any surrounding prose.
4 h 18 min
